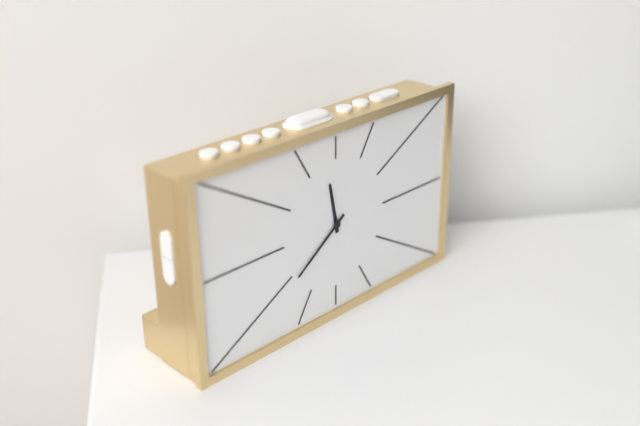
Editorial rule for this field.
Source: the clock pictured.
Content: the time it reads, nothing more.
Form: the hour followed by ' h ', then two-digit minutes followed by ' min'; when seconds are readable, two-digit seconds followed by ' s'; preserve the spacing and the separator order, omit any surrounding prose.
11 h 39 min
